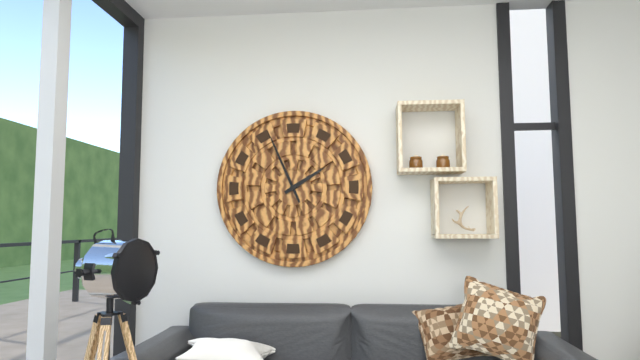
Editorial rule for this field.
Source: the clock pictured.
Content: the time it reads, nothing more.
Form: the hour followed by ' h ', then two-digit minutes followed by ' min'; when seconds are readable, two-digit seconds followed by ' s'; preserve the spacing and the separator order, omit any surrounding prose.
1 h 56 min
